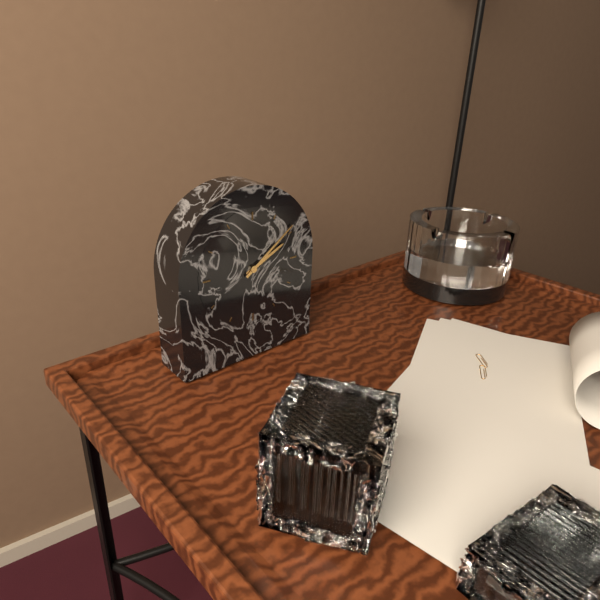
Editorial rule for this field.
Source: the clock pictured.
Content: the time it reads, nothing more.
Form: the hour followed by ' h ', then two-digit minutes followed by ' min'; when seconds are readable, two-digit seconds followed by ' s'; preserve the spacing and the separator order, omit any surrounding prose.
2 h 09 min
